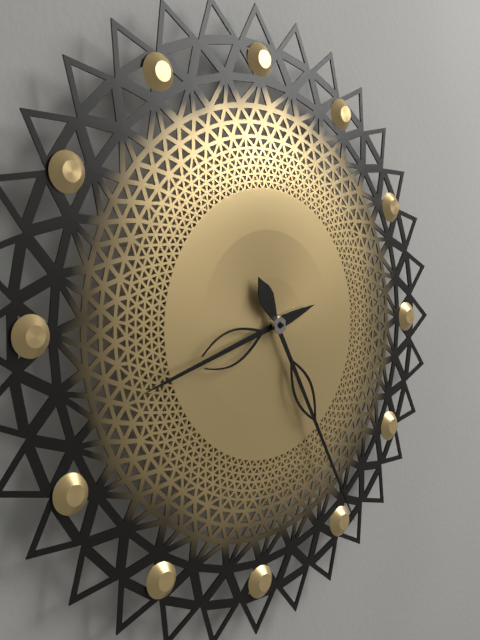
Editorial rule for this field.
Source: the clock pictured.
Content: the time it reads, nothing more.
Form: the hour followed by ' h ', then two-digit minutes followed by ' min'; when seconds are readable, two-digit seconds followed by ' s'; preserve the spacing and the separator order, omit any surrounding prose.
8 h 25 min
